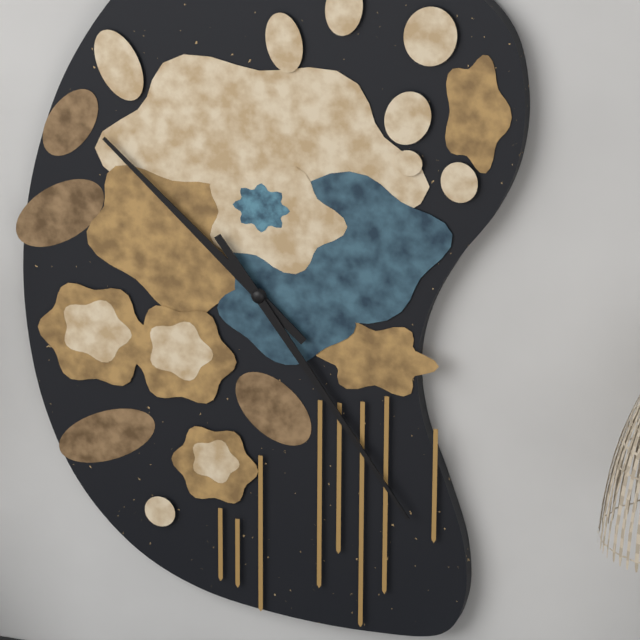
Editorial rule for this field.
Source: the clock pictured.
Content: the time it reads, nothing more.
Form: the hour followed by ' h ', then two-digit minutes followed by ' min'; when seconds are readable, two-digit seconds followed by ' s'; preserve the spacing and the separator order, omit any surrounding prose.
10 h 24 min
